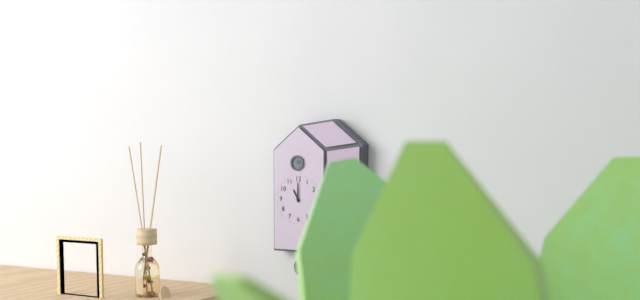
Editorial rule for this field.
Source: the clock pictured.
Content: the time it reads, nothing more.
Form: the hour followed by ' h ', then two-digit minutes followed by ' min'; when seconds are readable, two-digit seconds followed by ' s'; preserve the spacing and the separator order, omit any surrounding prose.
11 h 00 min
